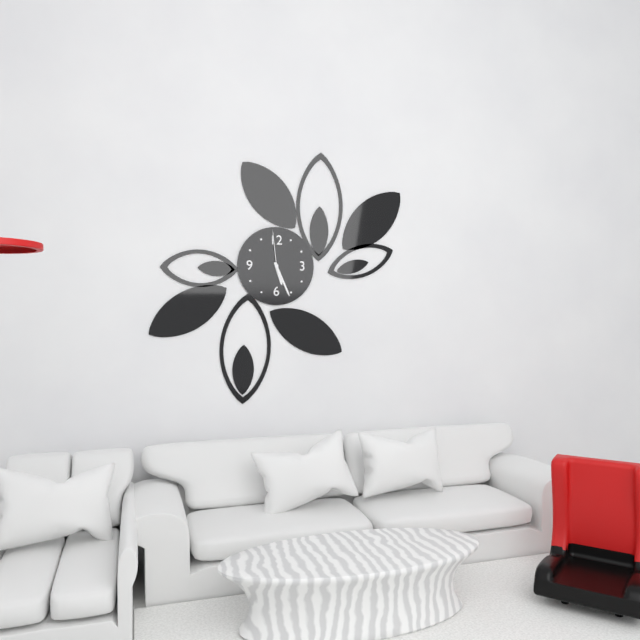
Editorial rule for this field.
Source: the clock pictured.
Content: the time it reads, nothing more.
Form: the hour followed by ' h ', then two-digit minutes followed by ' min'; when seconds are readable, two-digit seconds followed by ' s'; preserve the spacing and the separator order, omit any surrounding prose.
5 h 26 min
